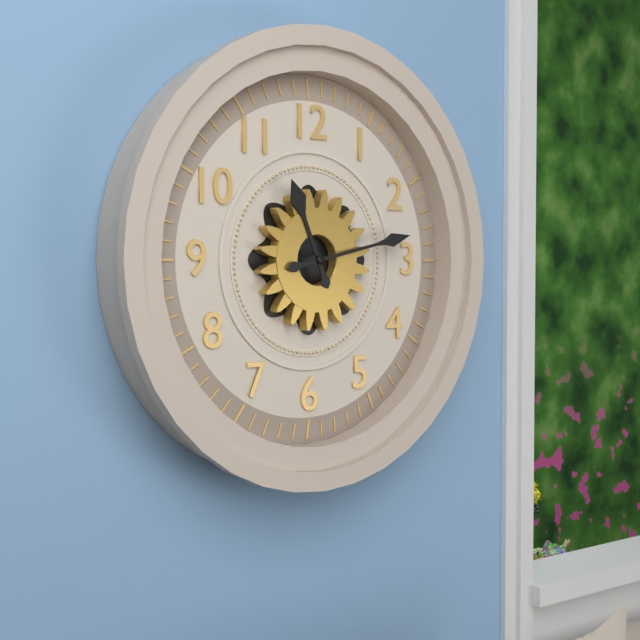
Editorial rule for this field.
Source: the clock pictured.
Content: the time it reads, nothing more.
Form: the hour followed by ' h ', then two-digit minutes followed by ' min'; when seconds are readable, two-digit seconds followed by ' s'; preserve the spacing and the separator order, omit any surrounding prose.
11 h 13 min
